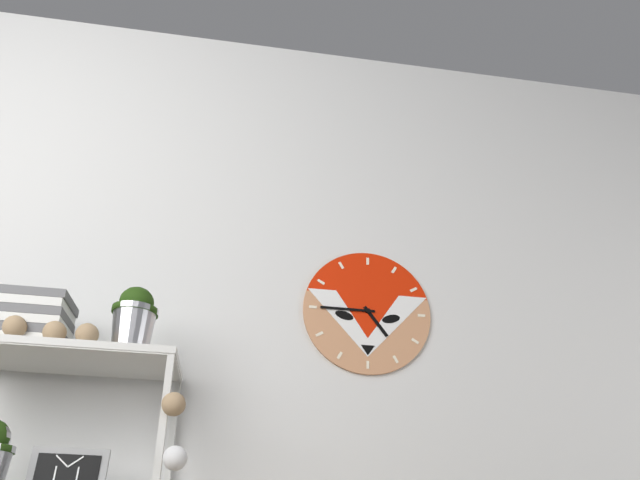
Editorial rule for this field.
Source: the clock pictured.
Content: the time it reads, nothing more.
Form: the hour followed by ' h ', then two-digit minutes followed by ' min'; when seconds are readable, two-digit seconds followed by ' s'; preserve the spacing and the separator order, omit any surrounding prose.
4 h 45 min
